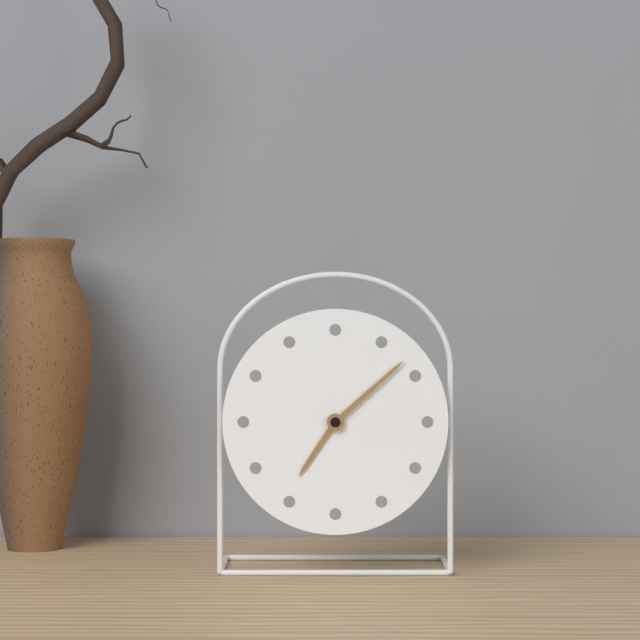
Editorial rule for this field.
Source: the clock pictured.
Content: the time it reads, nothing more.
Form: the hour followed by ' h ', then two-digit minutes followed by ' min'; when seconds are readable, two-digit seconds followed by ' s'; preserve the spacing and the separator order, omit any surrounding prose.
7 h 08 min
